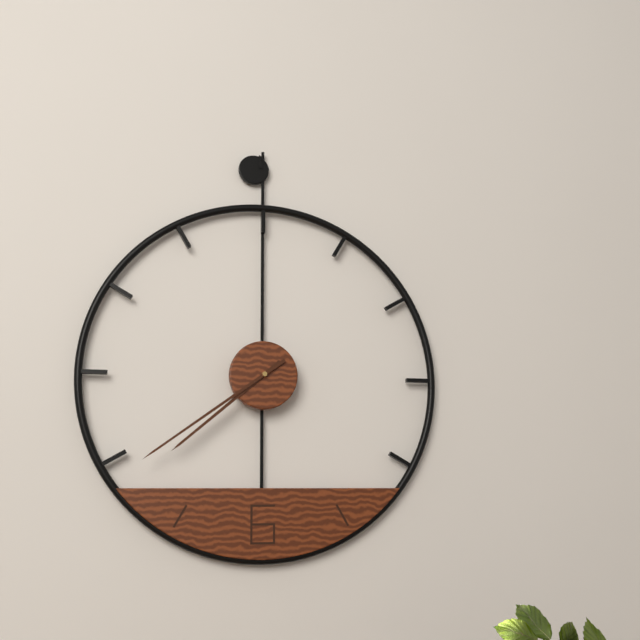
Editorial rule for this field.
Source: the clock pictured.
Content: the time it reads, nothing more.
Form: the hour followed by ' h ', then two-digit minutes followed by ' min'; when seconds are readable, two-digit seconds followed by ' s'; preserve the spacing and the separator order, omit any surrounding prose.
7 h 39 min
